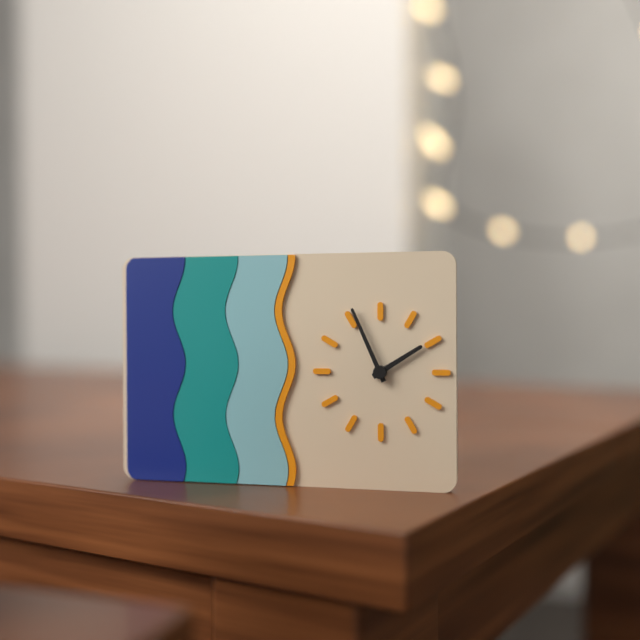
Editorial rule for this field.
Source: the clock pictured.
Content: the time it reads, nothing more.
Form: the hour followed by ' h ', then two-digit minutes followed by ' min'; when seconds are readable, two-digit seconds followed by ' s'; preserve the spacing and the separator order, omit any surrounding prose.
1 h 56 min
